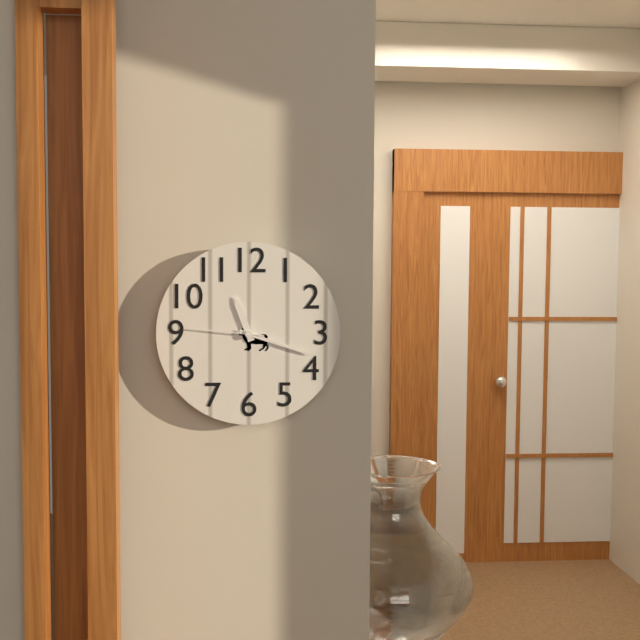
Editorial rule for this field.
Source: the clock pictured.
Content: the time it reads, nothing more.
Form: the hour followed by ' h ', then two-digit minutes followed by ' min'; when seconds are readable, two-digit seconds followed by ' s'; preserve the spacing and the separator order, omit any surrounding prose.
11 h 18 min 46 s
